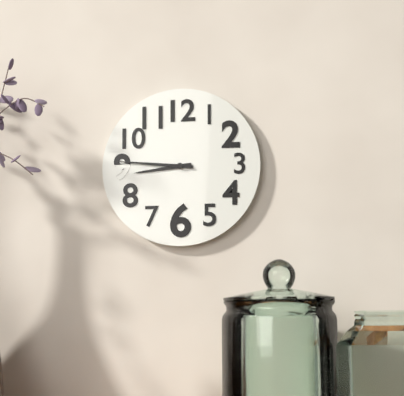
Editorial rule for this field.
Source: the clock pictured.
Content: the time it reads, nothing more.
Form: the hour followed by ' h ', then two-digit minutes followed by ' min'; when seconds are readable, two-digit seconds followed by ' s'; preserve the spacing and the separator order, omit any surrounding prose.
8 h 46 min
